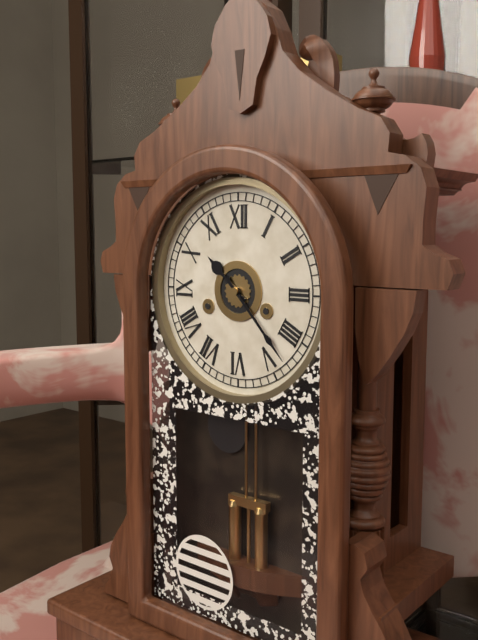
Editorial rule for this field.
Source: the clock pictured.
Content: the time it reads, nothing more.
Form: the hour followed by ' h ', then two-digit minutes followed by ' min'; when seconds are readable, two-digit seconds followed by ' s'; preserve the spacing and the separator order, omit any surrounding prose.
10 h 23 min
